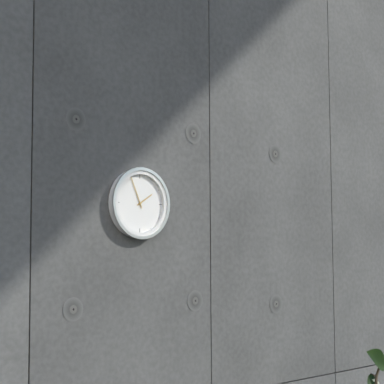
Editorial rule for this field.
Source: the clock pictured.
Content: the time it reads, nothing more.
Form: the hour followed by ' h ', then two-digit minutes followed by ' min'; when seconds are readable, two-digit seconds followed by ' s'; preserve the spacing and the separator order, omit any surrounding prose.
1 h 56 min
